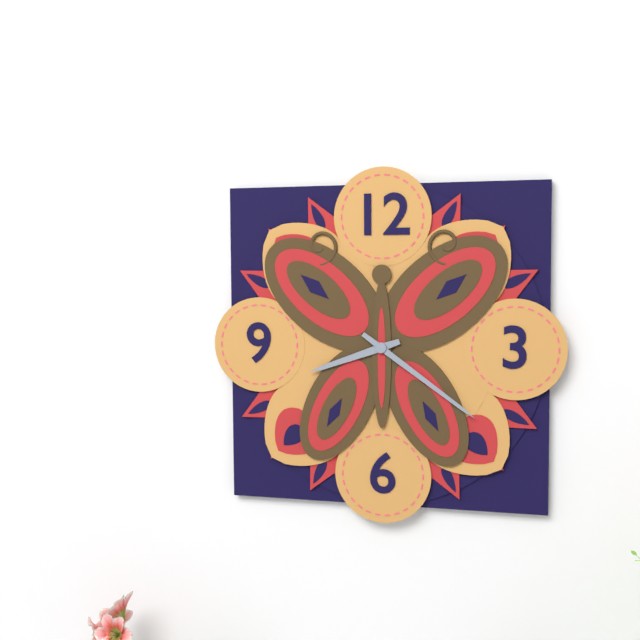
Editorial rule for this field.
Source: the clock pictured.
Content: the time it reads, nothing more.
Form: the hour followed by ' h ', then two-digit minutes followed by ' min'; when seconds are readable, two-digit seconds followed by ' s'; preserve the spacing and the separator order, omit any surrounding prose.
8 h 21 min
